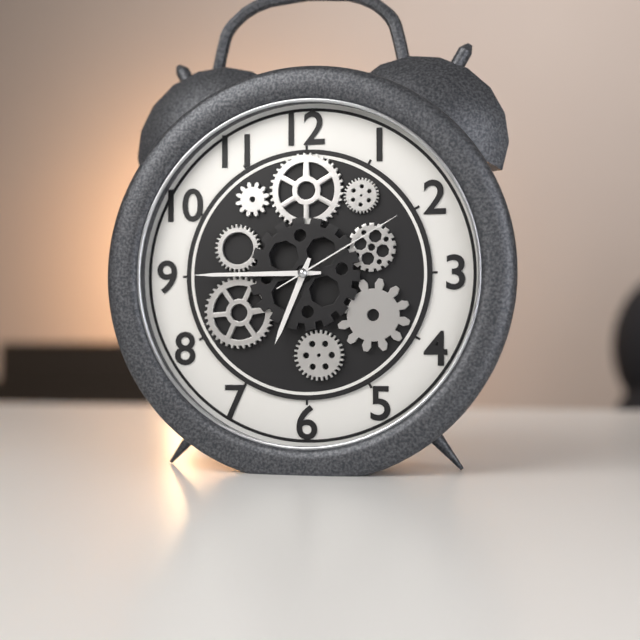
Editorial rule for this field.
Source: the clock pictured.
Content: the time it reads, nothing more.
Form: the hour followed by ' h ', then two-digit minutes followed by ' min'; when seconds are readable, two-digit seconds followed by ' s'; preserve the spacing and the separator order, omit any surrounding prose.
6 h 45 min 10 s
